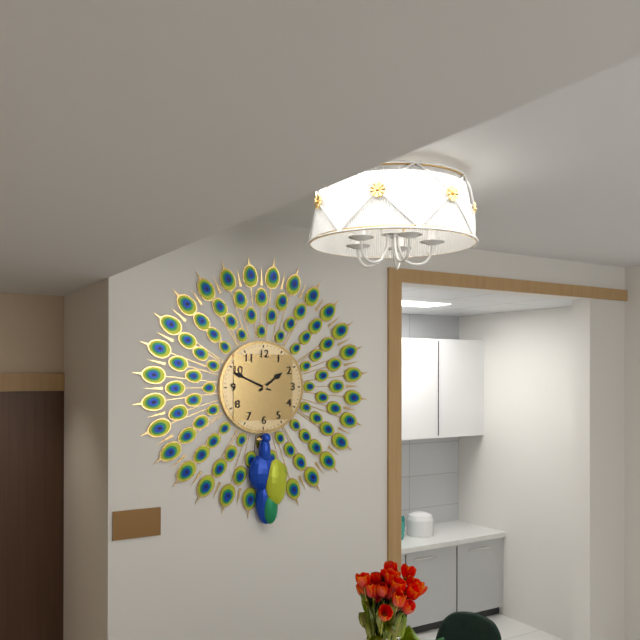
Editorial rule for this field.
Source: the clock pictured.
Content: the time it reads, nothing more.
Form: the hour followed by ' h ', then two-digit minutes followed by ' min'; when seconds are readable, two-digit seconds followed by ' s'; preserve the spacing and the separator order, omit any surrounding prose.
1 h 49 min
